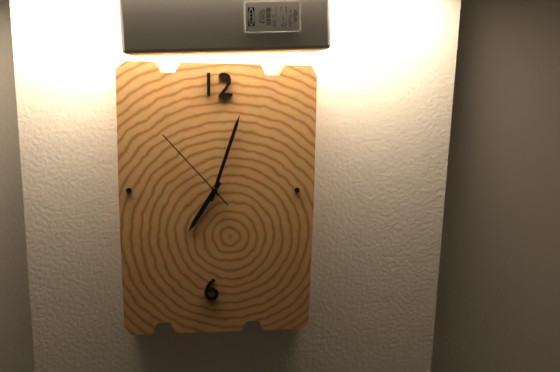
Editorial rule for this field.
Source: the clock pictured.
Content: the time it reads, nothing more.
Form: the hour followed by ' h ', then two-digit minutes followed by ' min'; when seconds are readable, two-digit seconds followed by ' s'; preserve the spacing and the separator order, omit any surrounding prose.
7 h 03 min 53 s
